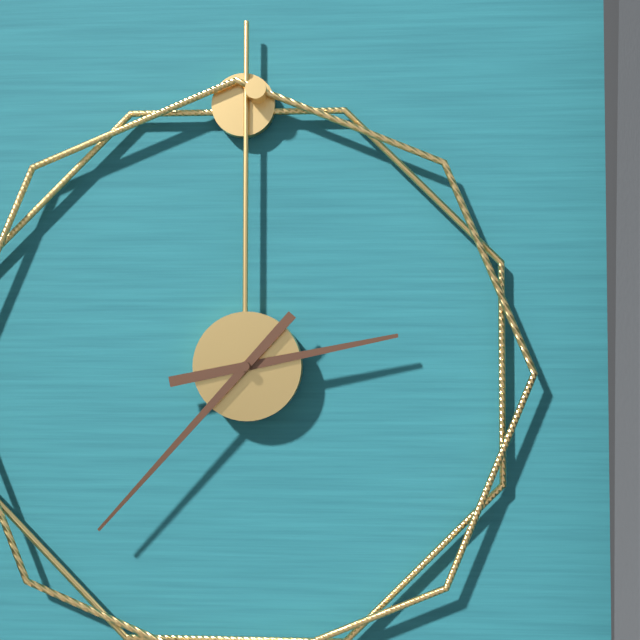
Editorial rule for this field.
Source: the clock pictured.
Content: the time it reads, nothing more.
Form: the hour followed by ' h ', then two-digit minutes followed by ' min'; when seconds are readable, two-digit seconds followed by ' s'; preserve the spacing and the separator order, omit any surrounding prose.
2 h 37 min
